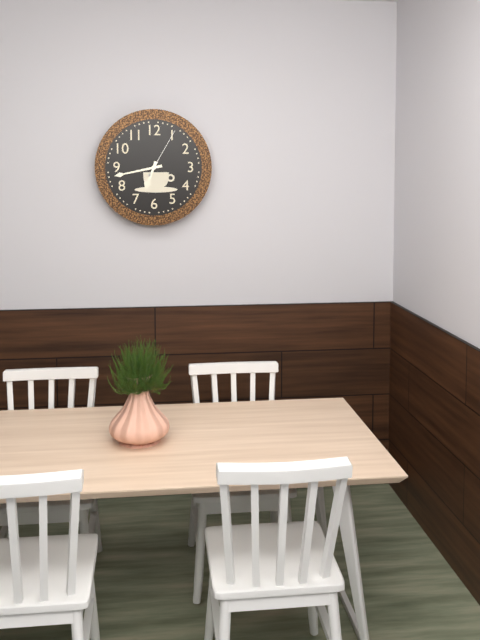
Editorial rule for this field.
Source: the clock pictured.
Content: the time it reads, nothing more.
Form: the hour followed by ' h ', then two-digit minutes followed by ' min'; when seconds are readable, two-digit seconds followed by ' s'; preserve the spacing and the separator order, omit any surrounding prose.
6 h 43 min 05 s
